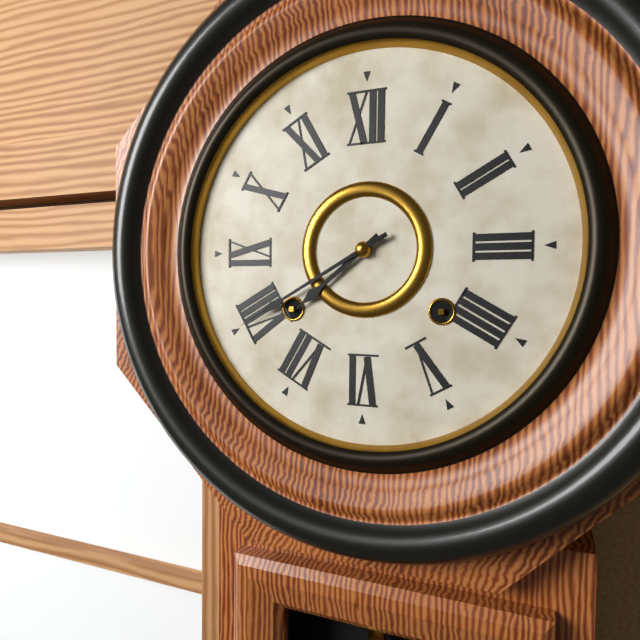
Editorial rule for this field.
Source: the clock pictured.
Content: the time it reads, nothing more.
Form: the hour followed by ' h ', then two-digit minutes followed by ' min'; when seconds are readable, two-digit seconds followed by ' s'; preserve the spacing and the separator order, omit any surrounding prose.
7 h 40 min
